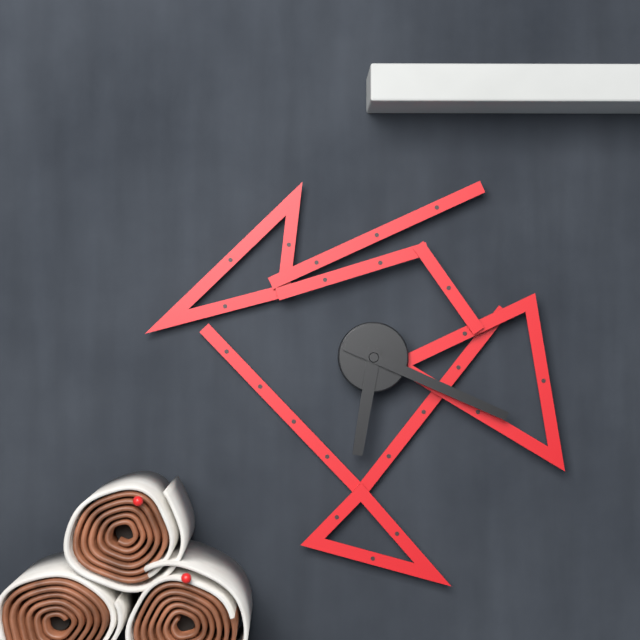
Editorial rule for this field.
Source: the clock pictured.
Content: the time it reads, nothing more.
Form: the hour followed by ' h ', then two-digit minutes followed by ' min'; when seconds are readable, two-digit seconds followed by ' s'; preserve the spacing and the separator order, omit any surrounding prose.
6 h 19 min
